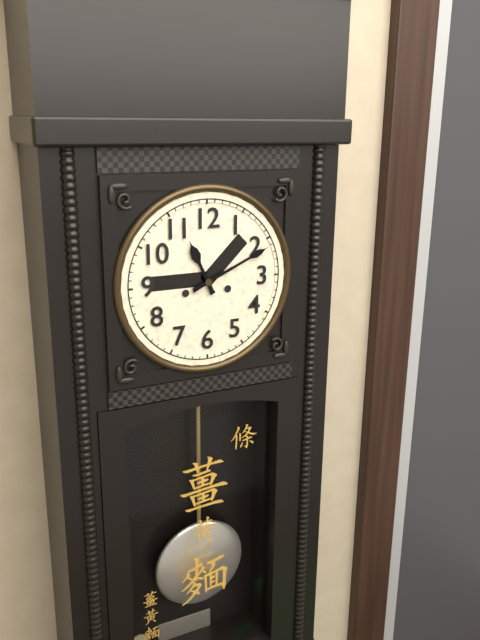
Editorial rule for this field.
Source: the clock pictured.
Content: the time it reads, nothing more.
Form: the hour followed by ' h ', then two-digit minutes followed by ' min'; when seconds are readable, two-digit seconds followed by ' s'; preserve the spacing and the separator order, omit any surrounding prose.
11 h 11 min
